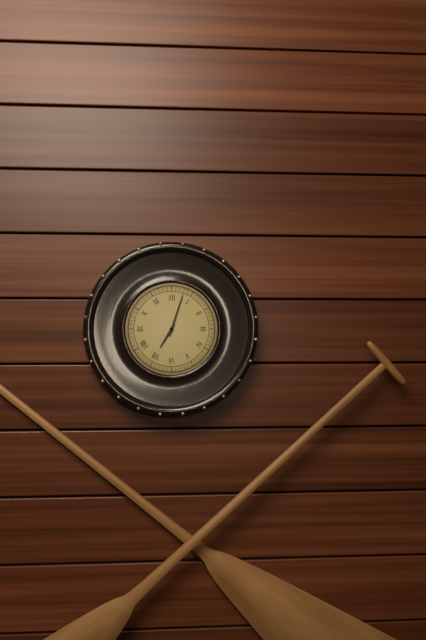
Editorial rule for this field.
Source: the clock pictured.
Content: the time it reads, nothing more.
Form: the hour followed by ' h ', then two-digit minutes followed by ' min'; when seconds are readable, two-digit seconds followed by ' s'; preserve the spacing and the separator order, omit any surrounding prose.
7 h 03 min
